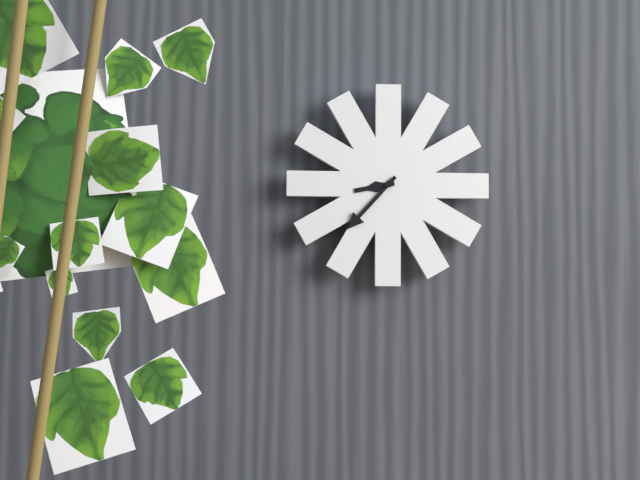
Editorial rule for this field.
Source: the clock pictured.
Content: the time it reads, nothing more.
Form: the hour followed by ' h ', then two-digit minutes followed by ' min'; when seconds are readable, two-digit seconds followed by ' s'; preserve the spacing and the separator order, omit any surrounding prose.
8 h 37 min
